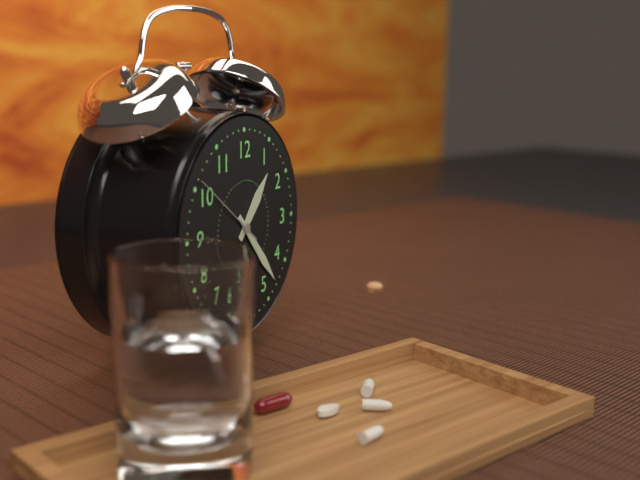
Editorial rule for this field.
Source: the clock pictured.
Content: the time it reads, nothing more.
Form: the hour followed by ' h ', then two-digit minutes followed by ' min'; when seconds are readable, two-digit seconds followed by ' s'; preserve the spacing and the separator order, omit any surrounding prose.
1 h 23 min 51 s
